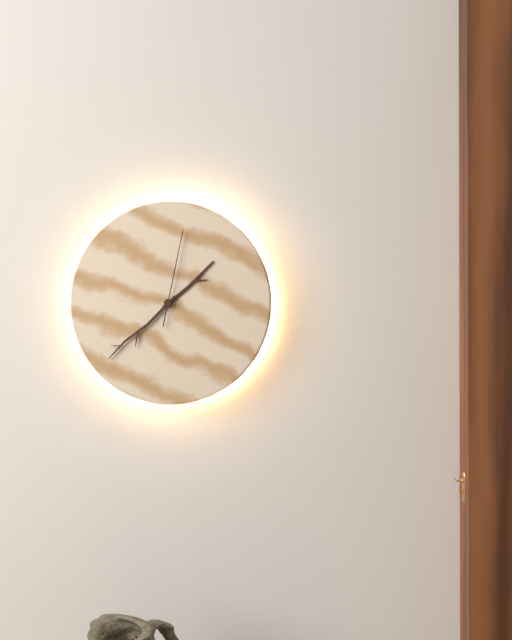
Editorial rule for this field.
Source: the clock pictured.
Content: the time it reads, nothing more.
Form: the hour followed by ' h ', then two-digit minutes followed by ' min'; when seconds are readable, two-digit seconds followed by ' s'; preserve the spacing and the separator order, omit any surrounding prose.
1 h 38 min 02 s
